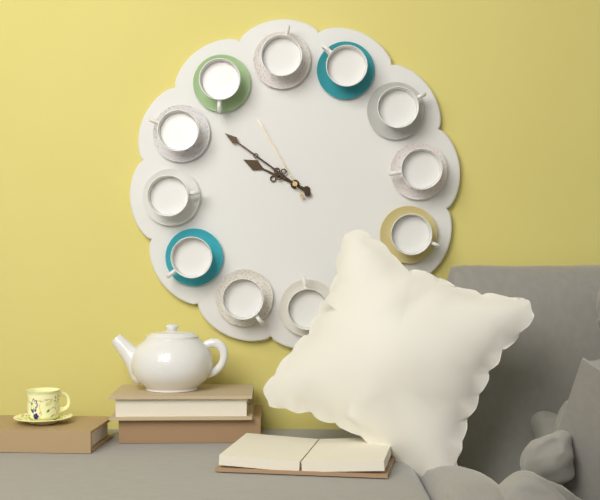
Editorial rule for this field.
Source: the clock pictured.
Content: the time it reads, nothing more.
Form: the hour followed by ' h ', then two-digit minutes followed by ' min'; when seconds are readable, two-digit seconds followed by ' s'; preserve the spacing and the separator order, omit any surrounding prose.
9 h 51 min 55 s
